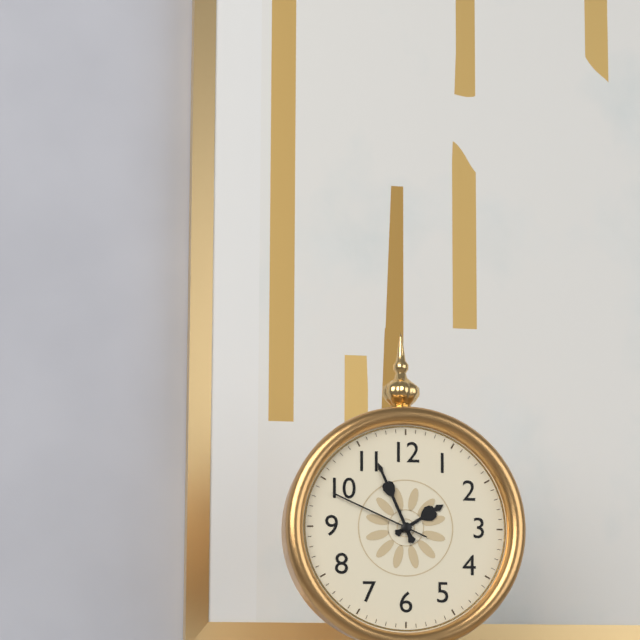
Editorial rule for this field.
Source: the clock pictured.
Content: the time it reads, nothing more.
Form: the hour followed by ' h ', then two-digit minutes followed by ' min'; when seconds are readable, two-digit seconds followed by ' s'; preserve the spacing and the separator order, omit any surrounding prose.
1 h 56 min 49 s
